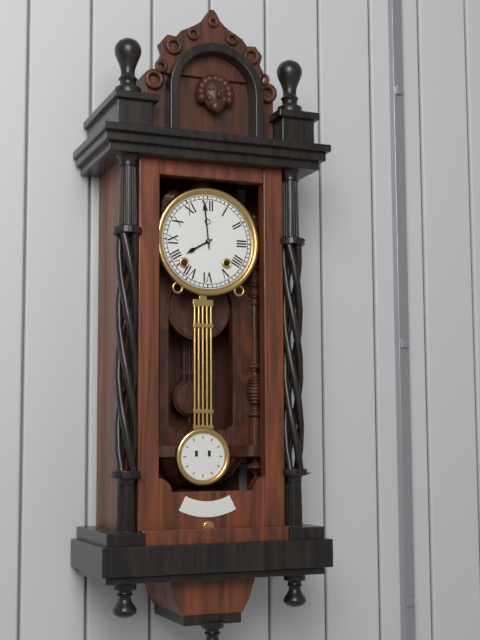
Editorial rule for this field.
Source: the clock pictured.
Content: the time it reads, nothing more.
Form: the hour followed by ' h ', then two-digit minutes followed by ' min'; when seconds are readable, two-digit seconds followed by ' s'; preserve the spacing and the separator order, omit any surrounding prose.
7 h 59 min
